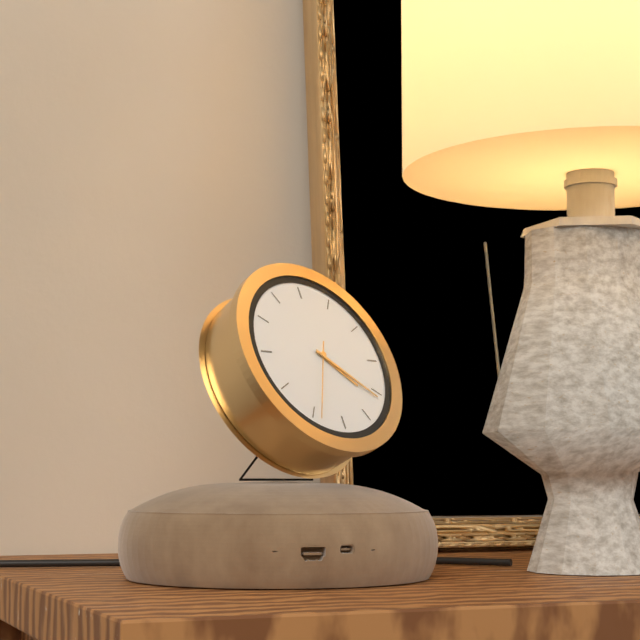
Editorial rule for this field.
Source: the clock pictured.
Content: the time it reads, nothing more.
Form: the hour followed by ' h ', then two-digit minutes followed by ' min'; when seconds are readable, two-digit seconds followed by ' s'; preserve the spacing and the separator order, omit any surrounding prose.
4 h 21 min 34 s
